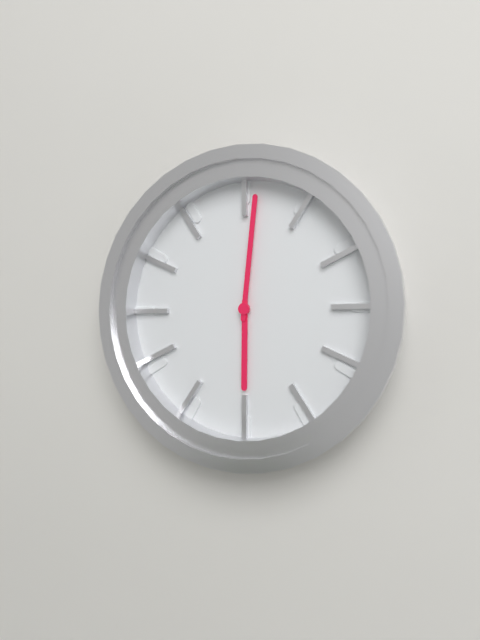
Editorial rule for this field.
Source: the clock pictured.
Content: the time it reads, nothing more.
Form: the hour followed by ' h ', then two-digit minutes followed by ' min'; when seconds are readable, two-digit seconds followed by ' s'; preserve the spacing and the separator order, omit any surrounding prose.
6 h 01 min
